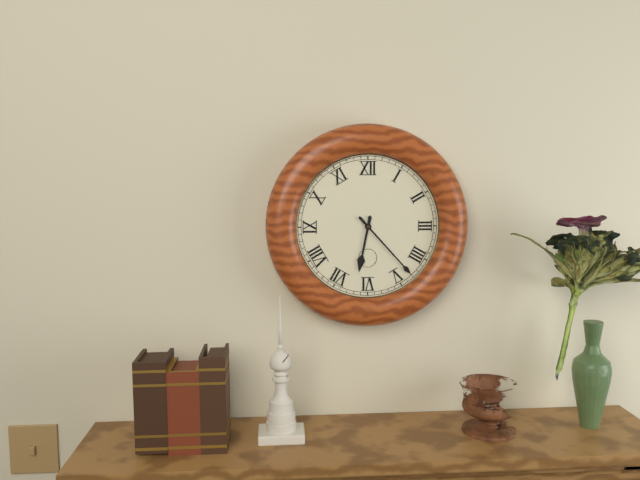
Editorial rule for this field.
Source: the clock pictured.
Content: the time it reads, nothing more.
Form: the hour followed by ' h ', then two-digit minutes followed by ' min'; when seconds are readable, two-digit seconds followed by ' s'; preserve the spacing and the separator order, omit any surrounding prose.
6 h 23 min
